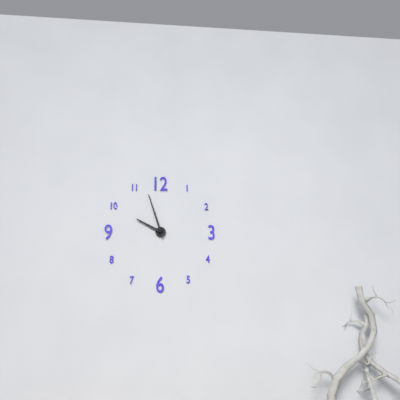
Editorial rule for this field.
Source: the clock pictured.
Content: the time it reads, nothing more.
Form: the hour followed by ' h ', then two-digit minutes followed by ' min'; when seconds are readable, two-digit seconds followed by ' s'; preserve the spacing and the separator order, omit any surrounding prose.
9 h 57 min
